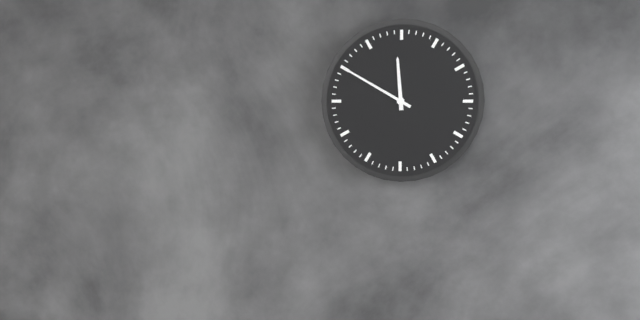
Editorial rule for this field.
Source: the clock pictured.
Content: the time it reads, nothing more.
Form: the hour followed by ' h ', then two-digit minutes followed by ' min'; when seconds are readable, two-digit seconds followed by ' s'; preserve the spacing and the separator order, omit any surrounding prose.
11 h 50 min
